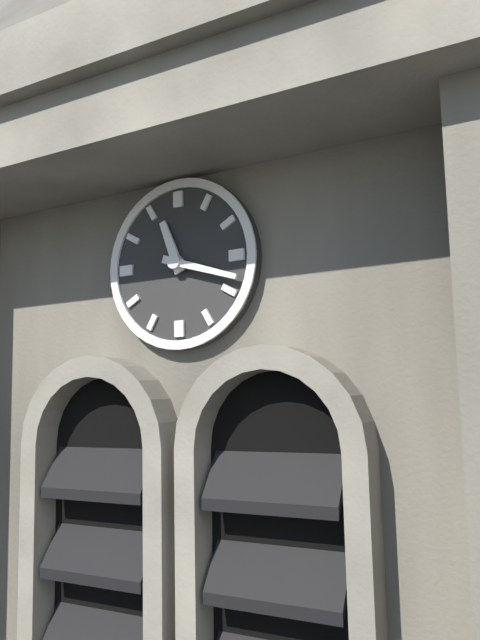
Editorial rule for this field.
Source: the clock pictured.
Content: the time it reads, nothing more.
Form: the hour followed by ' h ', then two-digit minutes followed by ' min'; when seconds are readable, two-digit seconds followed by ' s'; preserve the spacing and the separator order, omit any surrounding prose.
11 h 18 min
